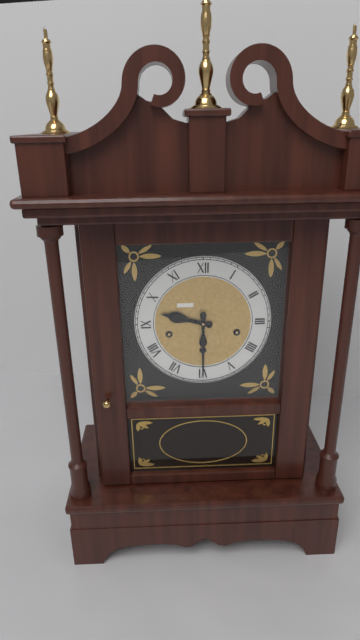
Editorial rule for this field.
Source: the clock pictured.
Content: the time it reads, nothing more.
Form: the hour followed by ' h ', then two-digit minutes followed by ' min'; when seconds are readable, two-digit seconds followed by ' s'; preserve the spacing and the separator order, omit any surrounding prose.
9 h 30 min
